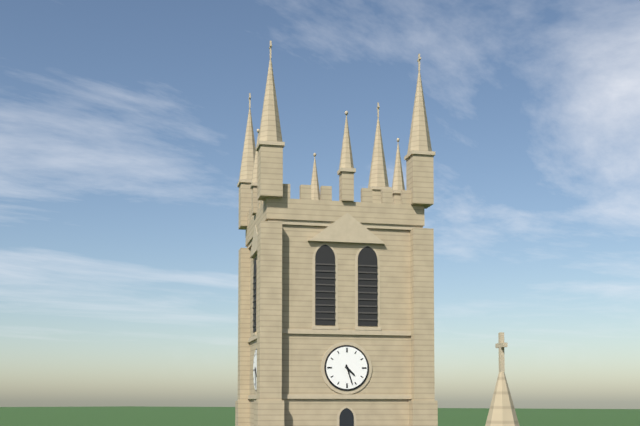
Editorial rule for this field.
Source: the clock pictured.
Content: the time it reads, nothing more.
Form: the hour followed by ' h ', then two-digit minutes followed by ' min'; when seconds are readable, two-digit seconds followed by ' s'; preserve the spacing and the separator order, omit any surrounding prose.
4 h 27 min
